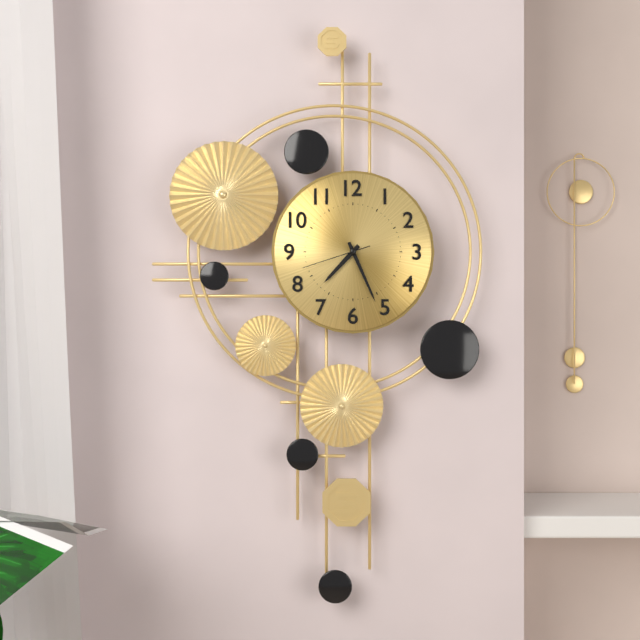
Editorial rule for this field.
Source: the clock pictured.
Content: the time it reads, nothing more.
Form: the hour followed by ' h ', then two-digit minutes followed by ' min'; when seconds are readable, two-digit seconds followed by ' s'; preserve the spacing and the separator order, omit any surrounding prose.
7 h 26 min 42 s
